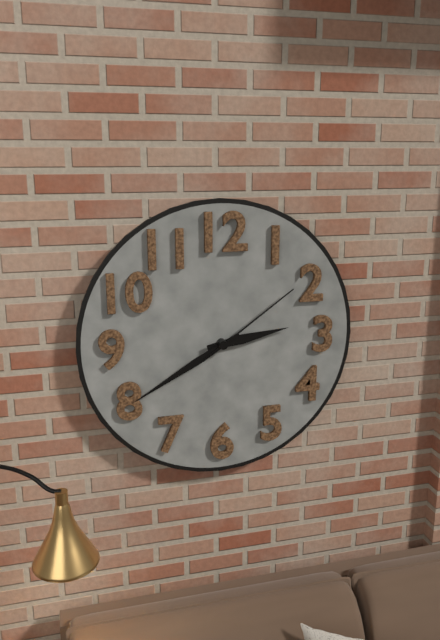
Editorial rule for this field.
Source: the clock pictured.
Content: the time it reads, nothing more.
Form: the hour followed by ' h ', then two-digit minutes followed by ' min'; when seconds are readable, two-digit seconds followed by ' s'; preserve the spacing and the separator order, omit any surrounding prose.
2 h 40 min 09 s
